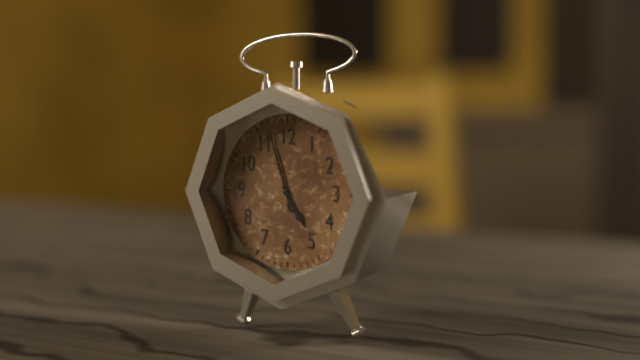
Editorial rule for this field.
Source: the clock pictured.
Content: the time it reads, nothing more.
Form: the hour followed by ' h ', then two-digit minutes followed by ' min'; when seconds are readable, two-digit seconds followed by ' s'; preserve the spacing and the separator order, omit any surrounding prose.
4 h 57 min
